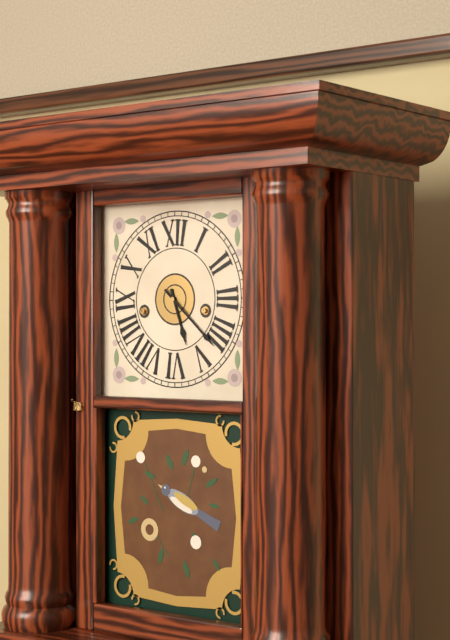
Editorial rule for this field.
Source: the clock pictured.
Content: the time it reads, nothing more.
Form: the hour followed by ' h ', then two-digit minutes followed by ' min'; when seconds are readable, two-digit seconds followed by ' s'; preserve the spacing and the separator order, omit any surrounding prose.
5 h 22 min
